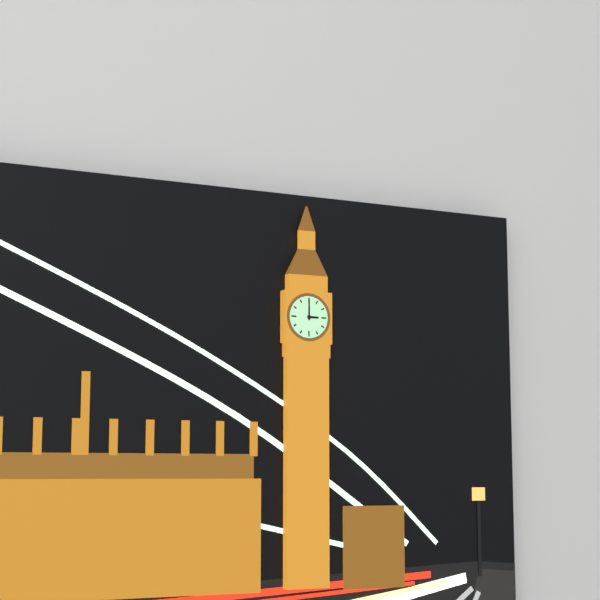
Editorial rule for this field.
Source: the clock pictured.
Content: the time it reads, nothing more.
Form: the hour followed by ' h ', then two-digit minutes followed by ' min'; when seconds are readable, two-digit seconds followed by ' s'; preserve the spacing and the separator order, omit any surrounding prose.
3 h 00 min
